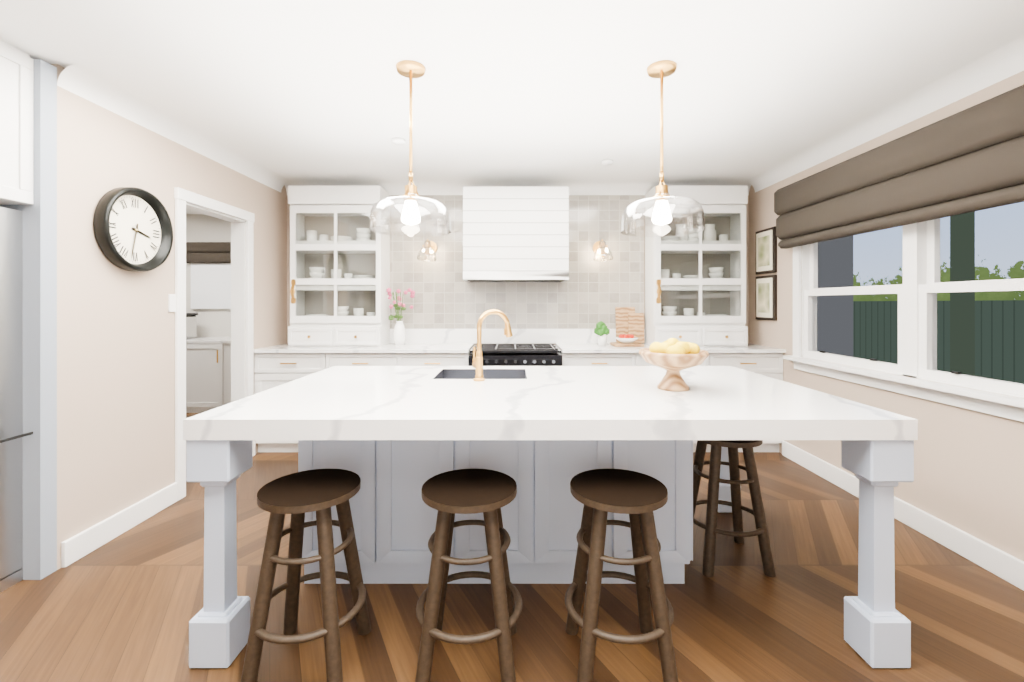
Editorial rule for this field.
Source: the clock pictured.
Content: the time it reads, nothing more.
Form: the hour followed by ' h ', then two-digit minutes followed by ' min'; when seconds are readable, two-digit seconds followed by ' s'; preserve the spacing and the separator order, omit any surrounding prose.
3 h 32 min
